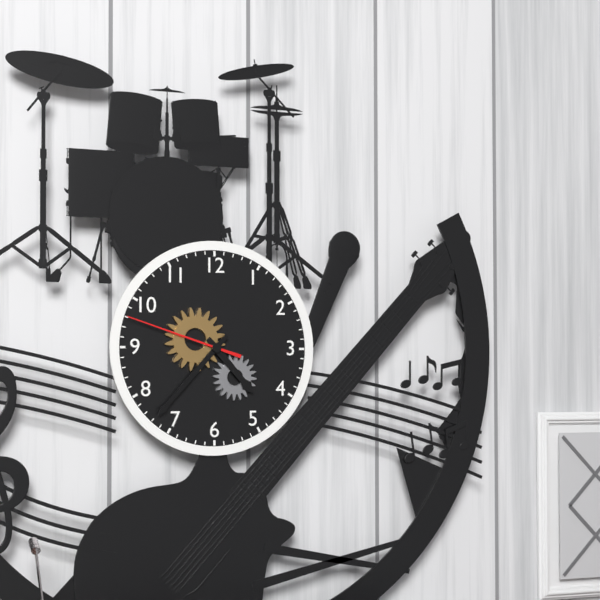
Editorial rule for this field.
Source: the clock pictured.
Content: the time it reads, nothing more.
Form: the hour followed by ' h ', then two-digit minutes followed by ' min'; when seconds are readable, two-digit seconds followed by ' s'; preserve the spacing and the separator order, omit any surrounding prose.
4 h 37 min 48 s
